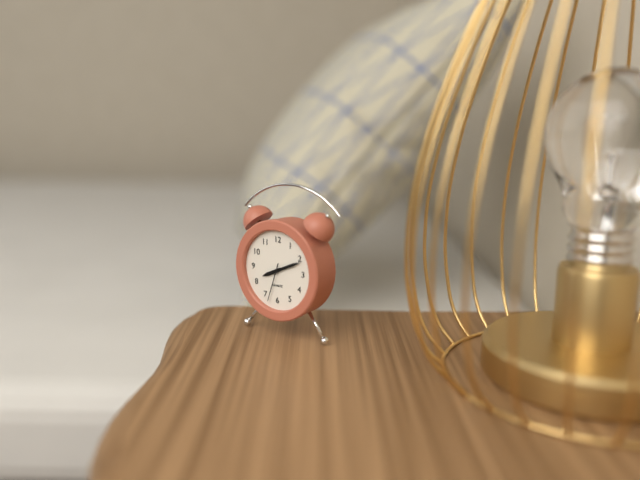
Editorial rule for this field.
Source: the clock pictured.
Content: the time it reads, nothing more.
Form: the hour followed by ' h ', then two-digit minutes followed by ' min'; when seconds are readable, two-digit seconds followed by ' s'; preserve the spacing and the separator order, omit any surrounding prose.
8 h 11 min
